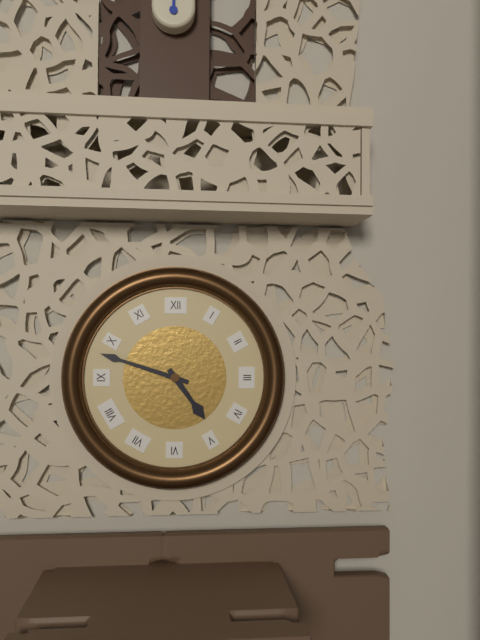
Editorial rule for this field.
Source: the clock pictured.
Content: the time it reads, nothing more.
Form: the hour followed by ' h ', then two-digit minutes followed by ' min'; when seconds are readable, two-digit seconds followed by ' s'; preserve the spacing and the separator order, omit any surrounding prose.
4 h 48 min
